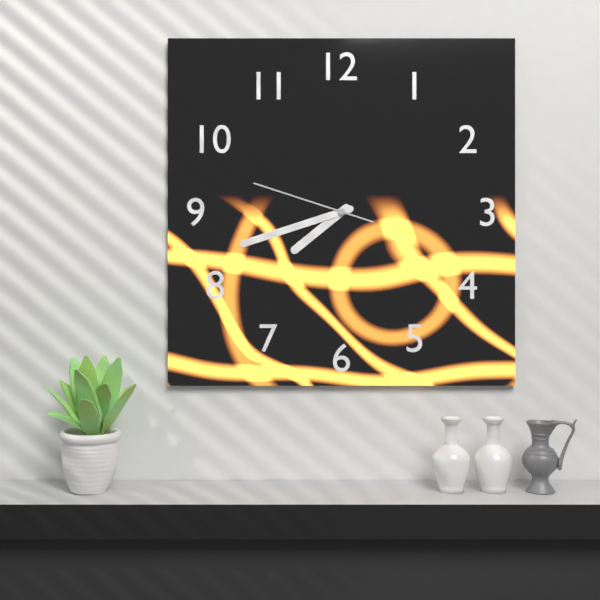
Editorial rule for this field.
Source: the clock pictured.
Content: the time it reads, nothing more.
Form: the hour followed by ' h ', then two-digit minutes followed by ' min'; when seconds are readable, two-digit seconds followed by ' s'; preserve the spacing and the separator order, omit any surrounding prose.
7 h 42 min 48 s
